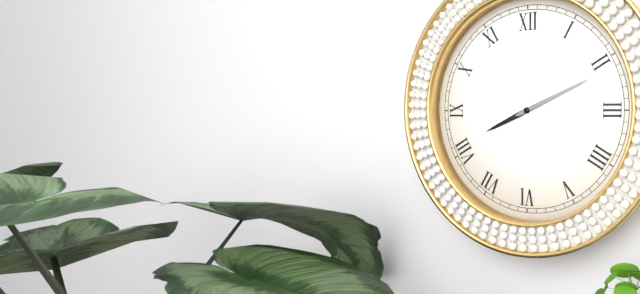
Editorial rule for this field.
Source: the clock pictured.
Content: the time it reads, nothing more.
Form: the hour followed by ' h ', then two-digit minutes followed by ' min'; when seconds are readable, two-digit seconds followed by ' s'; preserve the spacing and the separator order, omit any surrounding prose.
8 h 11 min
